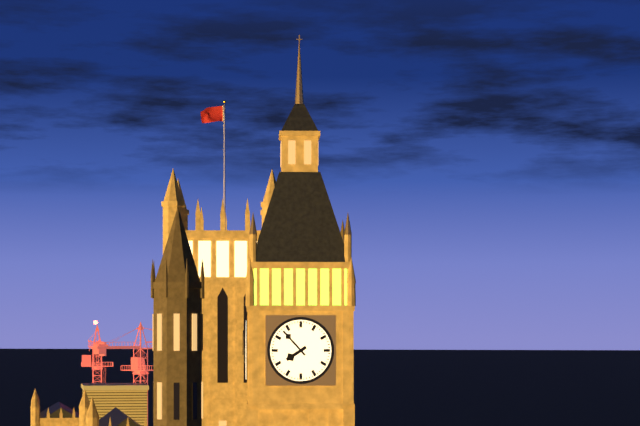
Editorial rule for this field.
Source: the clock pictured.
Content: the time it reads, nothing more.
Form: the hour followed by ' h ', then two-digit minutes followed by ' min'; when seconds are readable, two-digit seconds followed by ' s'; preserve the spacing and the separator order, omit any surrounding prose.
7 h 53 min
